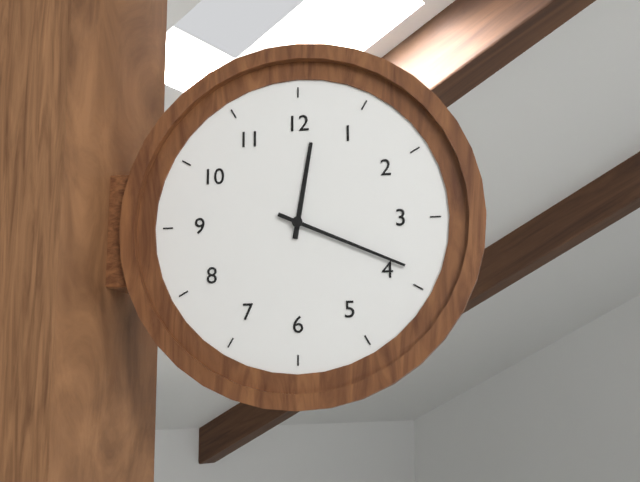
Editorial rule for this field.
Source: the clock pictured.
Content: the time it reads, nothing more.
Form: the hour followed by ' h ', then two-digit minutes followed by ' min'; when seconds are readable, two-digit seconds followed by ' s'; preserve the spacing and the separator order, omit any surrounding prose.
12 h 19 min
